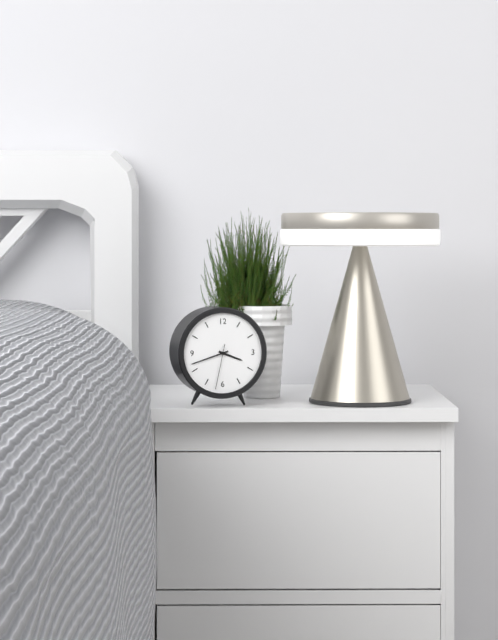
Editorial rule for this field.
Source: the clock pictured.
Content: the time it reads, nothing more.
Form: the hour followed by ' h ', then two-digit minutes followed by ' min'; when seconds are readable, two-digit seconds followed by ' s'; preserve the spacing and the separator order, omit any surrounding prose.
3 h 42 min
